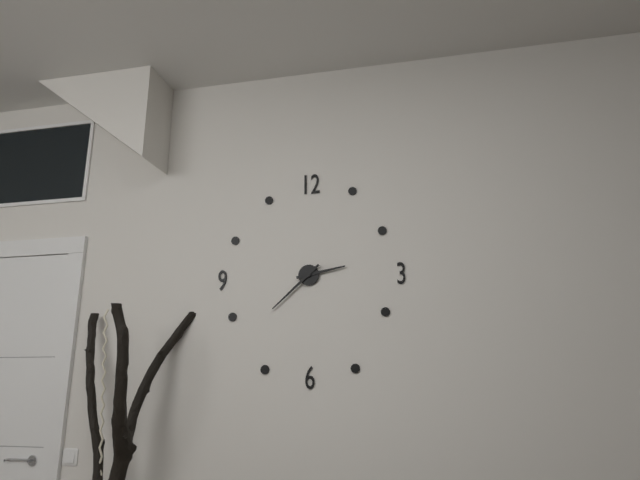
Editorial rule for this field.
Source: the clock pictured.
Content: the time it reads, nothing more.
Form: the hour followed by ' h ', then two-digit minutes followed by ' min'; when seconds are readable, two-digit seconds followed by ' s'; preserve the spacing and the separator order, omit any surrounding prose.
2 h 38 min
